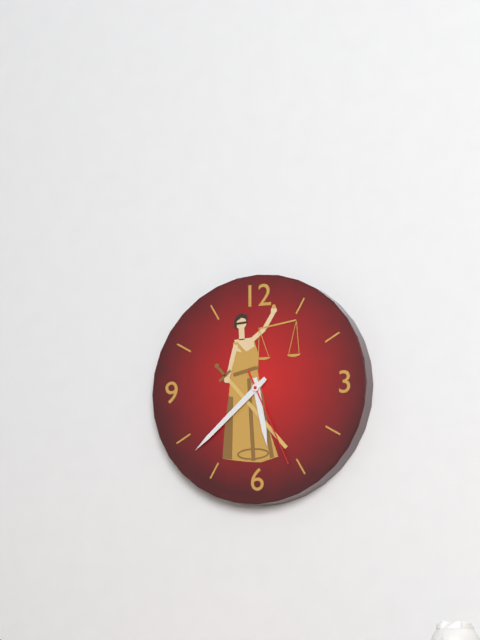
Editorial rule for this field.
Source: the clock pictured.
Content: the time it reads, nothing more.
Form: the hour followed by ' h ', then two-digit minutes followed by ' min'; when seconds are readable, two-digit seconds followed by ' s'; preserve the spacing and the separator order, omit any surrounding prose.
5 h 38 min 26 s
